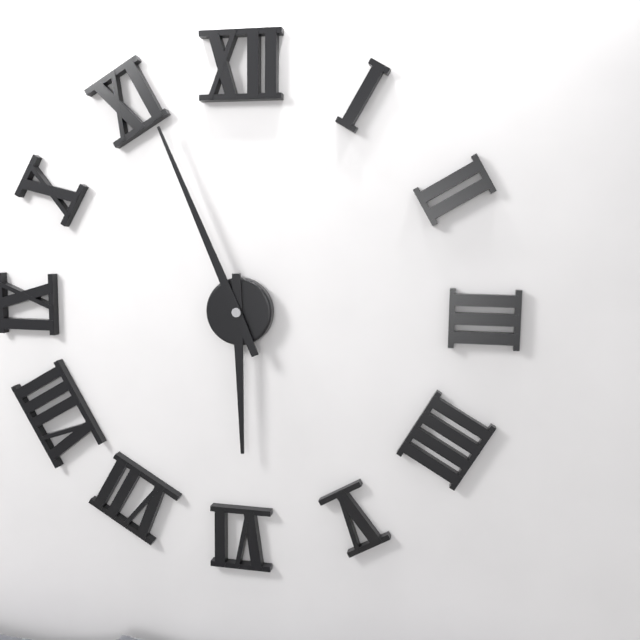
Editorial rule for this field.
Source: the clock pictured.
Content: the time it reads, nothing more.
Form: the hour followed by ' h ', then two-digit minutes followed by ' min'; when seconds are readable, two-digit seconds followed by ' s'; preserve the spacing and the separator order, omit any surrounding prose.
5 h 56 min
